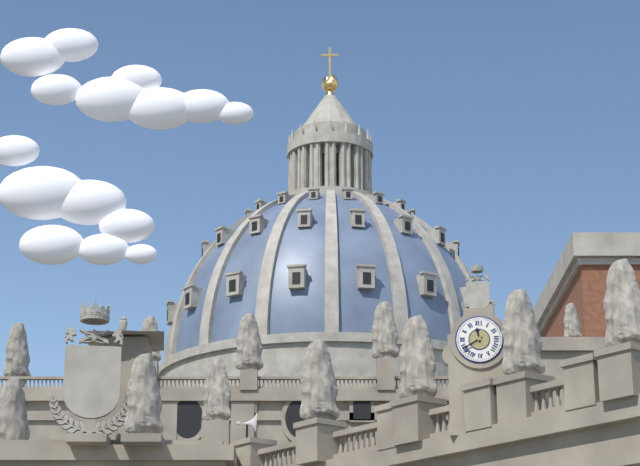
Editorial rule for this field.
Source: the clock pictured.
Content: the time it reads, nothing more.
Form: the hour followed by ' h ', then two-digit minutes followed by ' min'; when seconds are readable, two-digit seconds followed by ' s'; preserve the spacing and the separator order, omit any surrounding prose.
11 h 40 min
